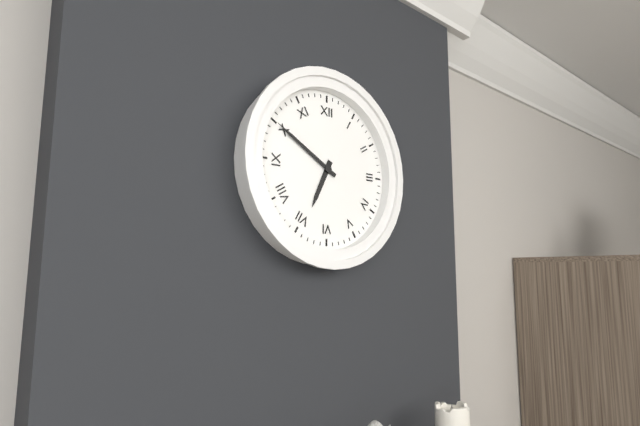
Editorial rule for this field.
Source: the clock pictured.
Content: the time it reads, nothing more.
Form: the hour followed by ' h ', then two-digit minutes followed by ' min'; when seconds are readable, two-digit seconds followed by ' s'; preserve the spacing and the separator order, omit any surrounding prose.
6 h 50 min
